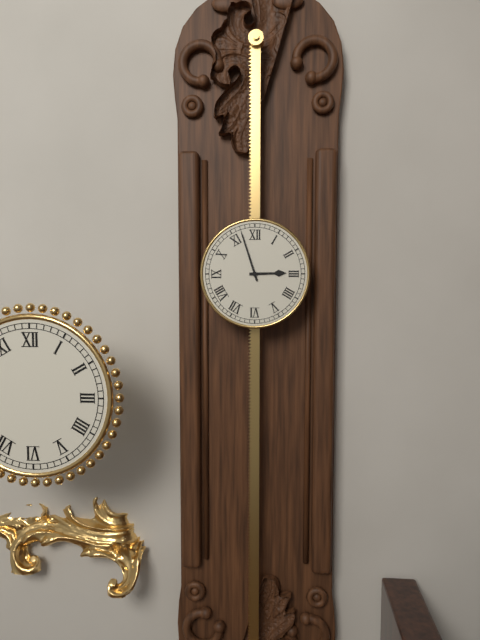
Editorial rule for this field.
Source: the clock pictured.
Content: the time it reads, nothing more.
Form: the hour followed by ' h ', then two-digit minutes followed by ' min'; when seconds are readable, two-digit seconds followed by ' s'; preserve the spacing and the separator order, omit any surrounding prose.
2 h 57 min
